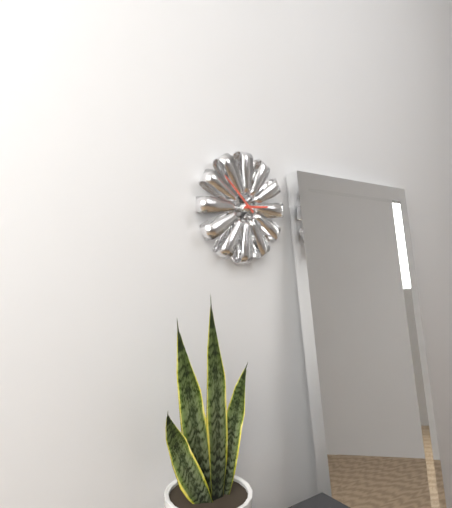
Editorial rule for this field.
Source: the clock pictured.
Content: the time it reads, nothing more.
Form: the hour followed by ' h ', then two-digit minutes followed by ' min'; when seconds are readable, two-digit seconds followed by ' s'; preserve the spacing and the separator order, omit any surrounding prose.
2 h 52 min
